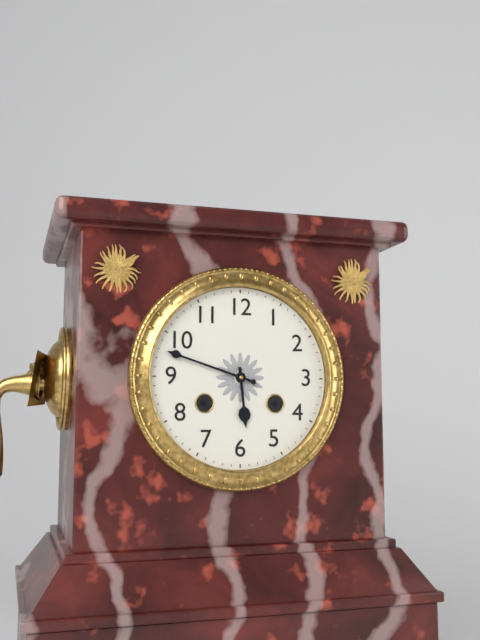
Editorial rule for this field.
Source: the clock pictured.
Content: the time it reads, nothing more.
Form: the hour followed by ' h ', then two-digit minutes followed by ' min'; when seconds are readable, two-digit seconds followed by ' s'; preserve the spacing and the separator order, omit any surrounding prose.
5 h 48 min
